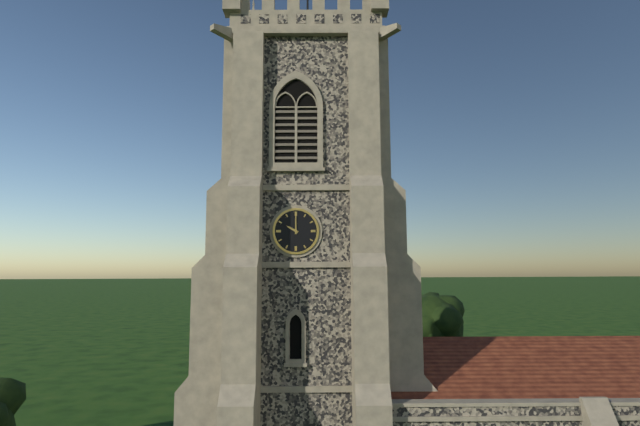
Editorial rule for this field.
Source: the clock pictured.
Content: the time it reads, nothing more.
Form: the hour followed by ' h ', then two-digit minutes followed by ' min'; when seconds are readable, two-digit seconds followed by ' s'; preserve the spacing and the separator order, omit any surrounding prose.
10 h 00 min
